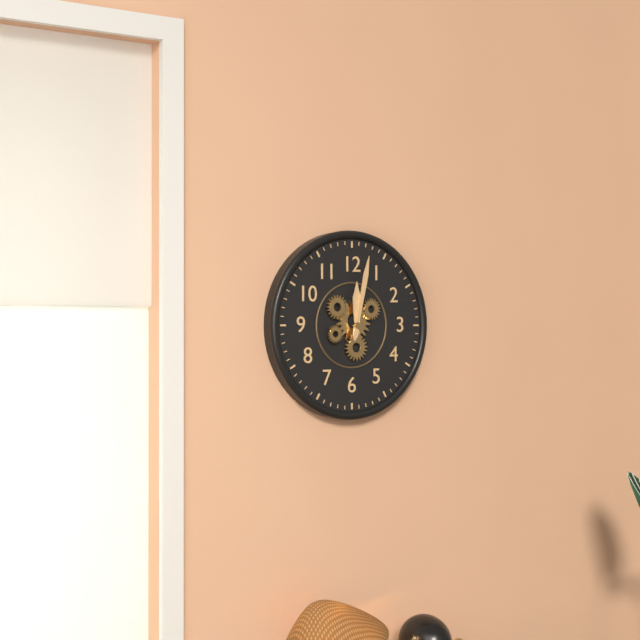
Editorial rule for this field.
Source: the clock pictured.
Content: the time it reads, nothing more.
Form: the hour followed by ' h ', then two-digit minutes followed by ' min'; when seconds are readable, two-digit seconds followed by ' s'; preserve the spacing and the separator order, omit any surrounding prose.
12 h 02 min
